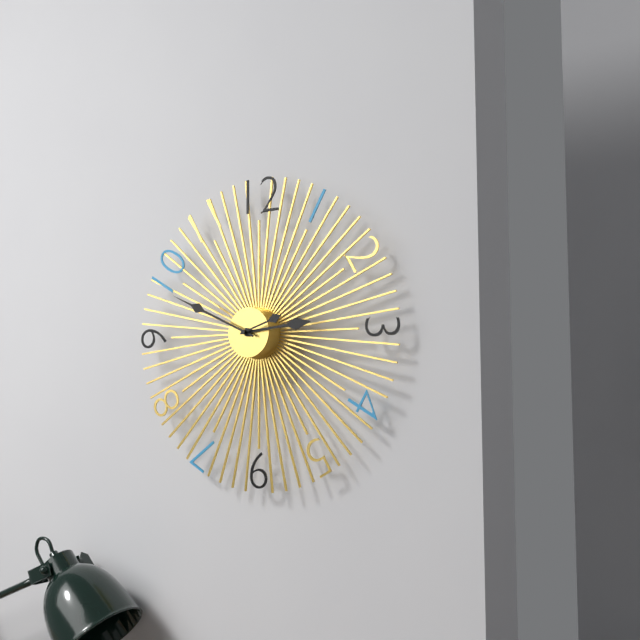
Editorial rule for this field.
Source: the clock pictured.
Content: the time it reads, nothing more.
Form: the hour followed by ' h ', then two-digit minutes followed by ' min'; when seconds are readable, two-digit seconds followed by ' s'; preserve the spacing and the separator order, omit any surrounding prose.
2 h 49 min
